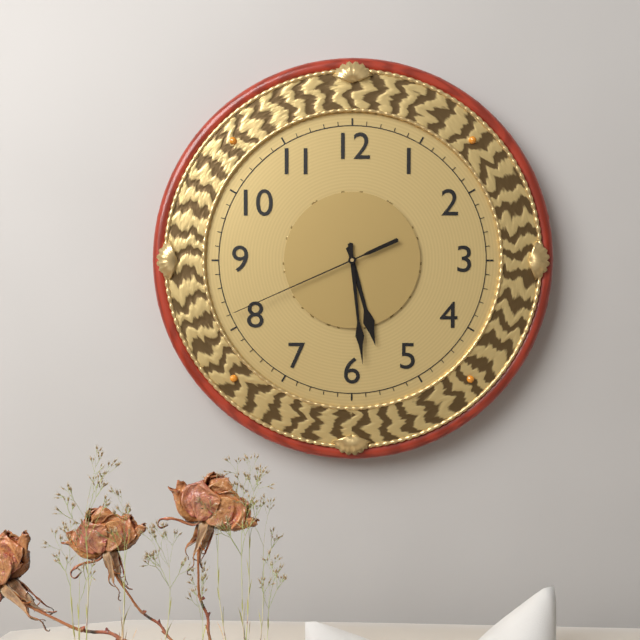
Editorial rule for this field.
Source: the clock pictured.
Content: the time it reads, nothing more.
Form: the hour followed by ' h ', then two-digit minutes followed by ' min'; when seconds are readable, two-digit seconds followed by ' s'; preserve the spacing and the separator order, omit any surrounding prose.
5 h 29 min 41 s
